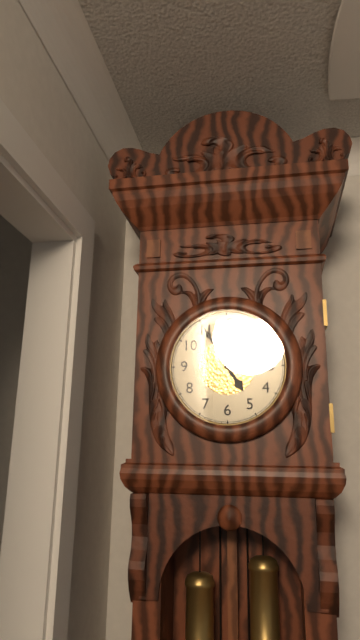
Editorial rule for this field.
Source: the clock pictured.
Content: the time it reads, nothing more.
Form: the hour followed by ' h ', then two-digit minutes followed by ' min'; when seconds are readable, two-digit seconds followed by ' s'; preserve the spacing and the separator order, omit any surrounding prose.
4 h 55 min
